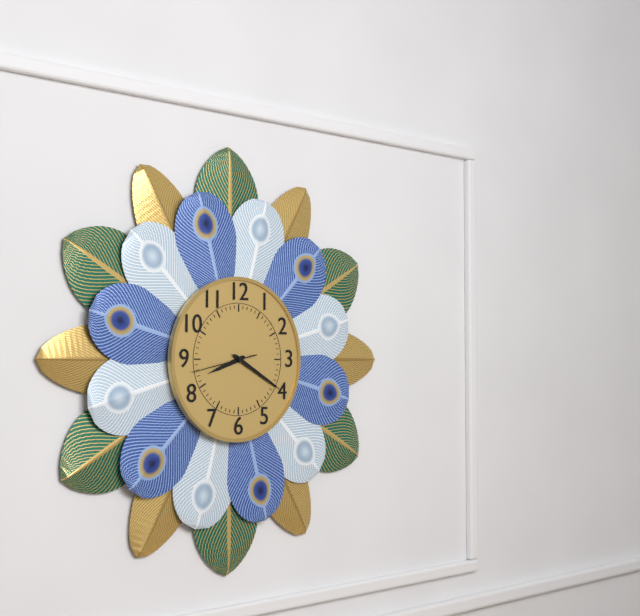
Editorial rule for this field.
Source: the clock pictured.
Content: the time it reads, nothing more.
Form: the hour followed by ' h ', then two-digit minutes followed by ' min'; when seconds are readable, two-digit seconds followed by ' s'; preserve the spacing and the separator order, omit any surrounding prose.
8 h 20 min 43 s
